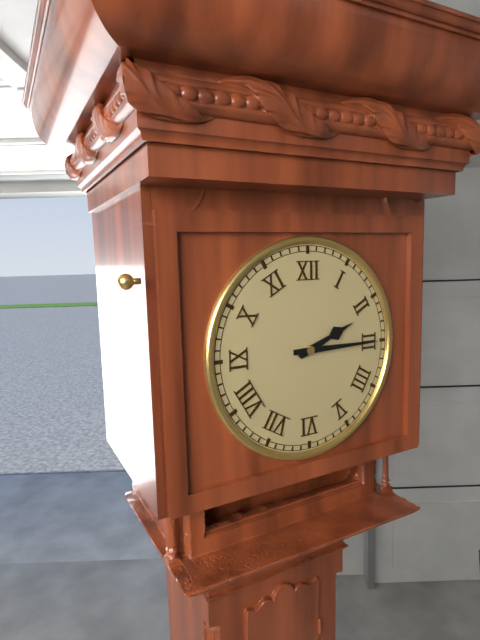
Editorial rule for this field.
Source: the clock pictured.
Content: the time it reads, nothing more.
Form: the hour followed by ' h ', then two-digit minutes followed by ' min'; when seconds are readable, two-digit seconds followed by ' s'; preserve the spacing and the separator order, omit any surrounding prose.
2 h 15 min
